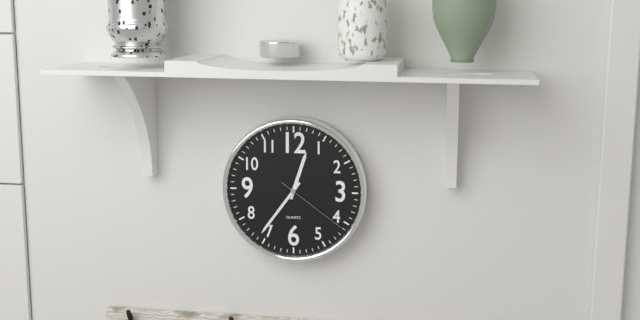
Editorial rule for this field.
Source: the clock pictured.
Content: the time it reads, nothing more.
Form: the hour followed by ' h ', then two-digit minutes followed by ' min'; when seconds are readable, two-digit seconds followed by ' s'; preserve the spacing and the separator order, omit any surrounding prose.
12 h 36 min 21 s
